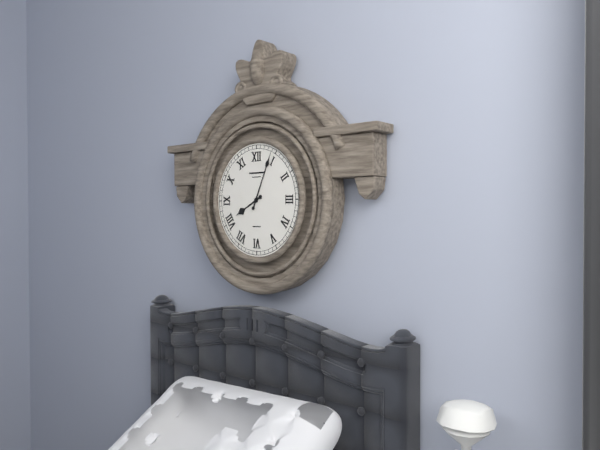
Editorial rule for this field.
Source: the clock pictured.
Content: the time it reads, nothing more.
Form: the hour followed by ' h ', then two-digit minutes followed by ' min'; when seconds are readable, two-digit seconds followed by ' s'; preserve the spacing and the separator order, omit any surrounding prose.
8 h 04 min
